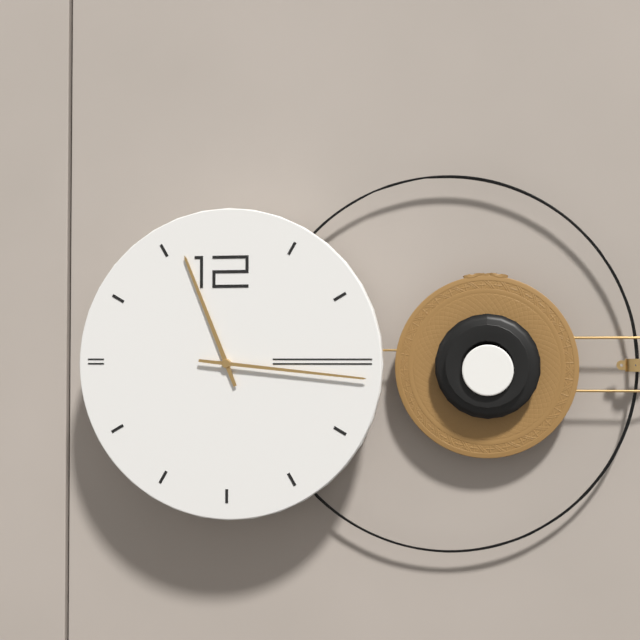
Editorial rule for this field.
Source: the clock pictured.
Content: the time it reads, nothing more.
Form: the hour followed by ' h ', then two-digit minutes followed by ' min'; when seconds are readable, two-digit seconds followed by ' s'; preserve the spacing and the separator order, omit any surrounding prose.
11 h 16 min
